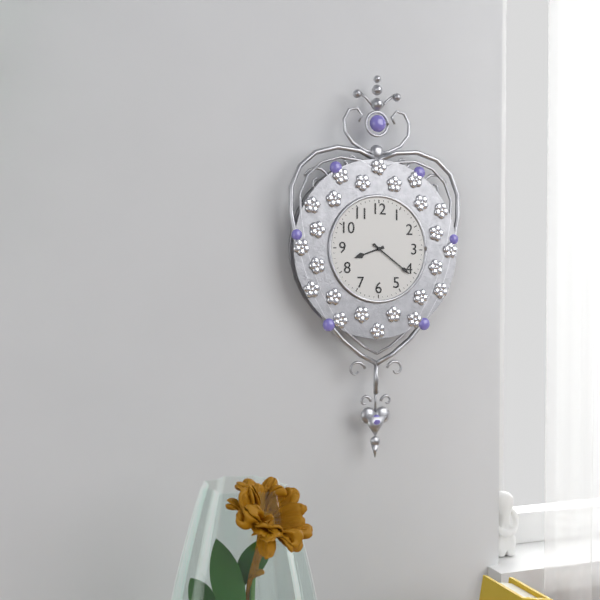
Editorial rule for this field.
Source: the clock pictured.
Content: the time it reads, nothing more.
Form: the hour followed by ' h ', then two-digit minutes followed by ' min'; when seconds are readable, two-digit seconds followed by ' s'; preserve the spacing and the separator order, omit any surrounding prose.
8 h 21 min
